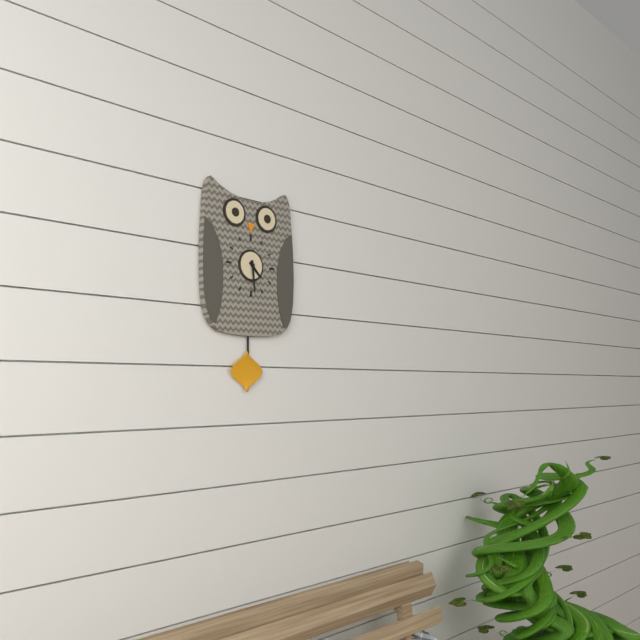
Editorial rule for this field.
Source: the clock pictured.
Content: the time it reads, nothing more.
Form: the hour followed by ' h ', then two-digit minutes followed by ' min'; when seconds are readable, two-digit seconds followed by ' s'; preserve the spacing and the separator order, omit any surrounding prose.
4 h 29 min
